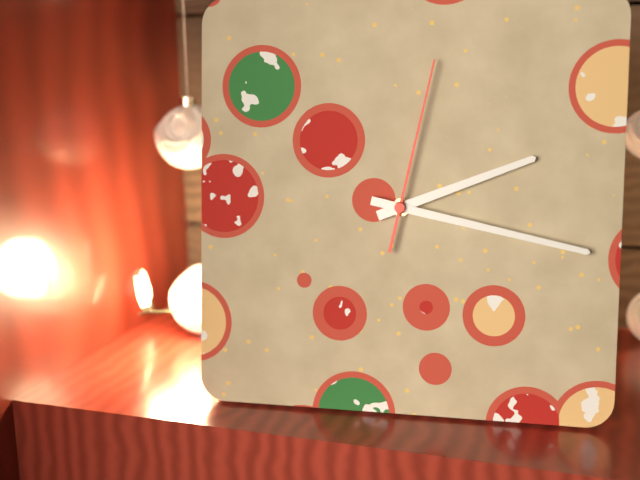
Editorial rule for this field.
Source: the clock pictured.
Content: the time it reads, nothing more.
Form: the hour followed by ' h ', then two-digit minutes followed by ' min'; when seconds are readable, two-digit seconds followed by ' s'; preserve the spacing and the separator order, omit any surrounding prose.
2 h 17 min 02 s
